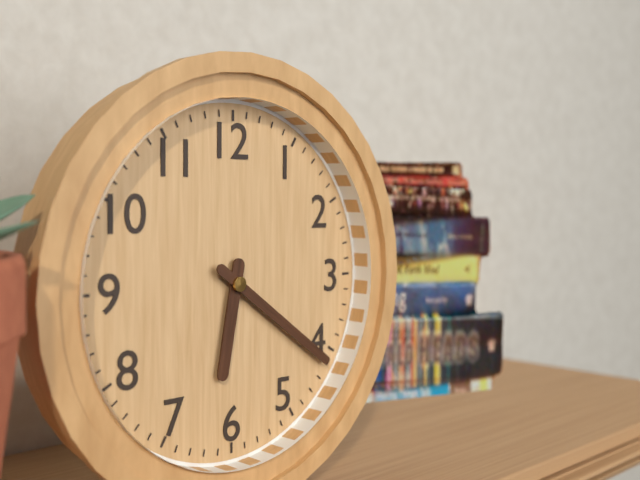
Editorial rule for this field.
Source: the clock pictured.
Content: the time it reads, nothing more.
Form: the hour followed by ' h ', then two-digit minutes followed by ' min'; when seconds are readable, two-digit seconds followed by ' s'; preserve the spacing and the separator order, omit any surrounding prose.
6 h 21 min
